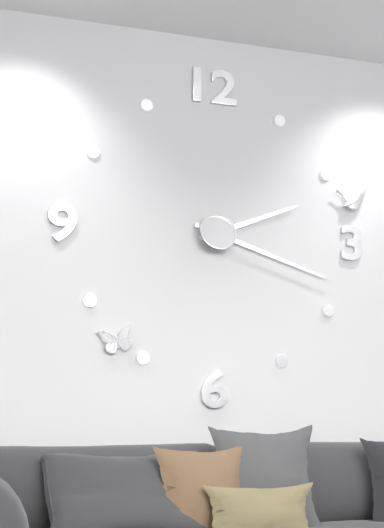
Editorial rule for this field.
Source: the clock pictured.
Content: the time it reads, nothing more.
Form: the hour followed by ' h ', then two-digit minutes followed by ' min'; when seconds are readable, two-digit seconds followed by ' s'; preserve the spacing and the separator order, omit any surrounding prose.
2 h 18 min
